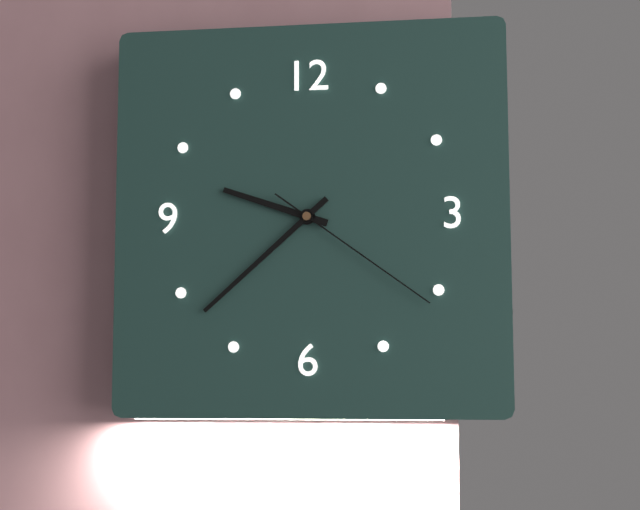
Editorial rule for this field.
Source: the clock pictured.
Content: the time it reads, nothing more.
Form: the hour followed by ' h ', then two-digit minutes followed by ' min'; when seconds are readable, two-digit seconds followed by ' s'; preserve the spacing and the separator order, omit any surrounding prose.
9 h 38 min 21 s
